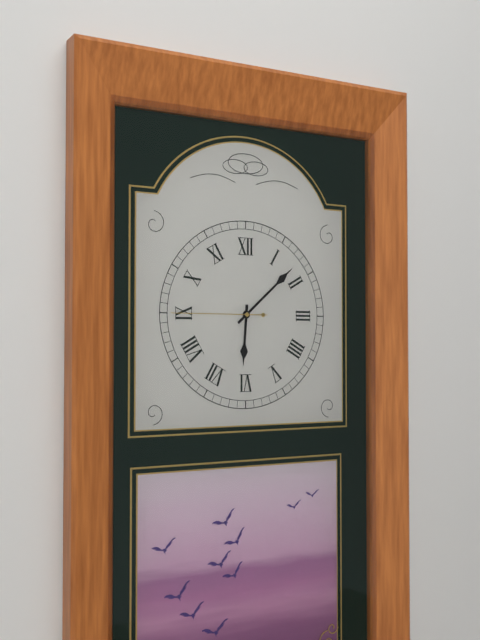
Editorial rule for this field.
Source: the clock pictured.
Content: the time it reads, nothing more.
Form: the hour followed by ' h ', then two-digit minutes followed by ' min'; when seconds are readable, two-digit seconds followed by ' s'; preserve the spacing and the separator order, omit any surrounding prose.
6 h 08 min 45 s
